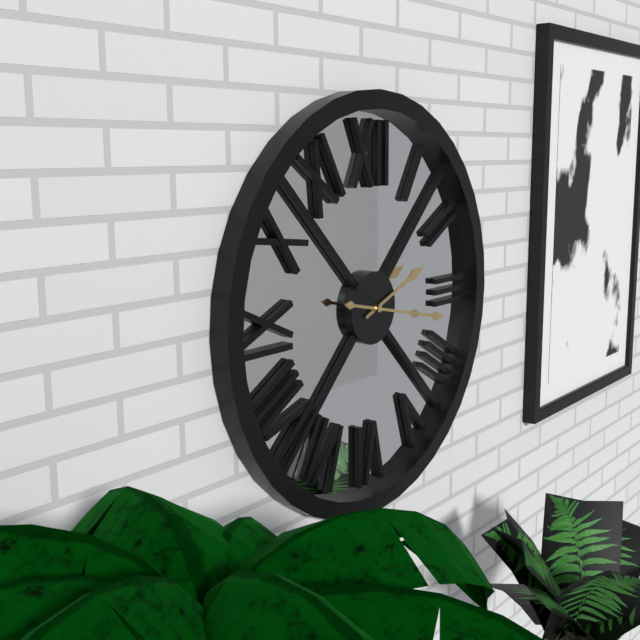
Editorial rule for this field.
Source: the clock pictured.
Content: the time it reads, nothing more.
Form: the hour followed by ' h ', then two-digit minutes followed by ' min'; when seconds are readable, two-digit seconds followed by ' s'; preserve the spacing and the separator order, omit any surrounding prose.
2 h 17 min
